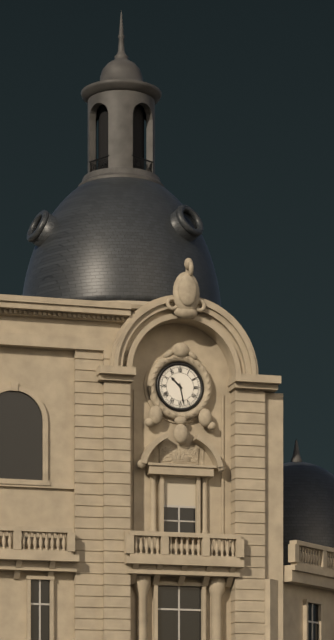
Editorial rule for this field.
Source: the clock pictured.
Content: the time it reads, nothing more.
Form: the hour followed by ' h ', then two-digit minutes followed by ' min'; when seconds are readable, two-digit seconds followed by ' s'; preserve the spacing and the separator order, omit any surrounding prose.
10 h 28 min
